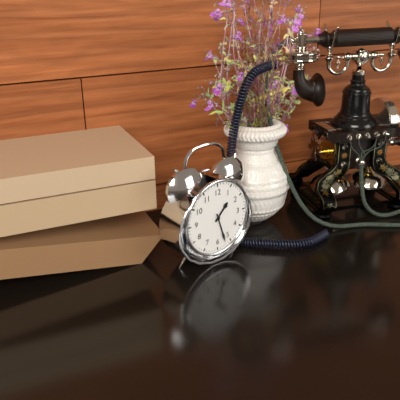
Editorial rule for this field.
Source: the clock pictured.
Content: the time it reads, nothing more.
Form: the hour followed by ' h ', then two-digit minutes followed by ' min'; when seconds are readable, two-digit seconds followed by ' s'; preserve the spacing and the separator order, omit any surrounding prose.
1 h 27 min
